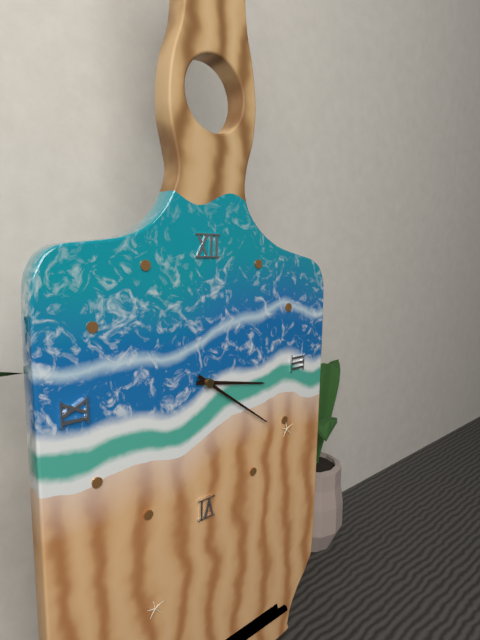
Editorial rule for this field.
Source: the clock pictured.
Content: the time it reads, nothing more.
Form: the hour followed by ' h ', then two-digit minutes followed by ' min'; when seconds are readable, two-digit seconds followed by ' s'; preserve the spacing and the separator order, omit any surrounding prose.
3 h 21 min
